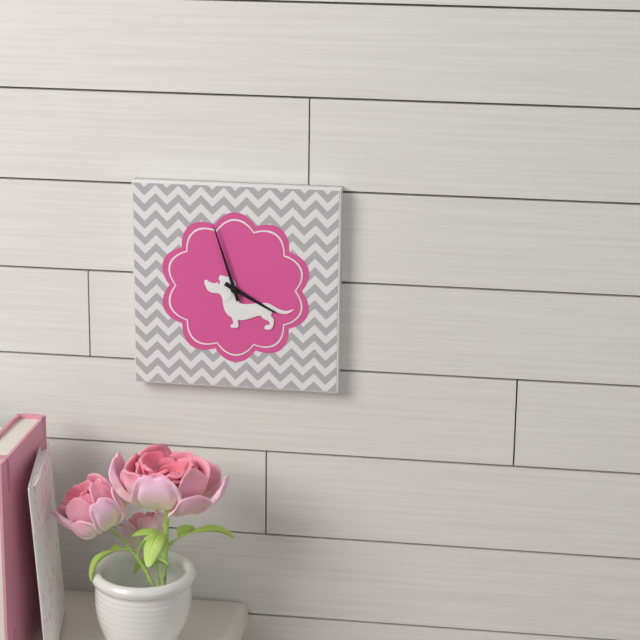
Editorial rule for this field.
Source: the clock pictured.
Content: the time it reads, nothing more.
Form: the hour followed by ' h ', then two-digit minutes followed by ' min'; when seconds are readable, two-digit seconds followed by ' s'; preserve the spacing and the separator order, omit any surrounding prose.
3 h 57 min
